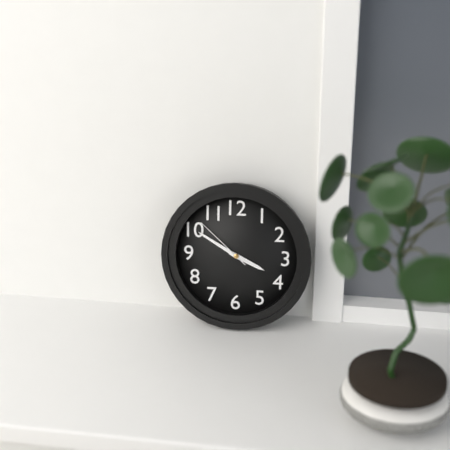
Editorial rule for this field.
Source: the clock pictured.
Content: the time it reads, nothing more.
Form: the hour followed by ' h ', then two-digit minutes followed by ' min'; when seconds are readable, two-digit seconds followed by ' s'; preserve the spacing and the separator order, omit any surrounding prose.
3 h 50 min 52 s
